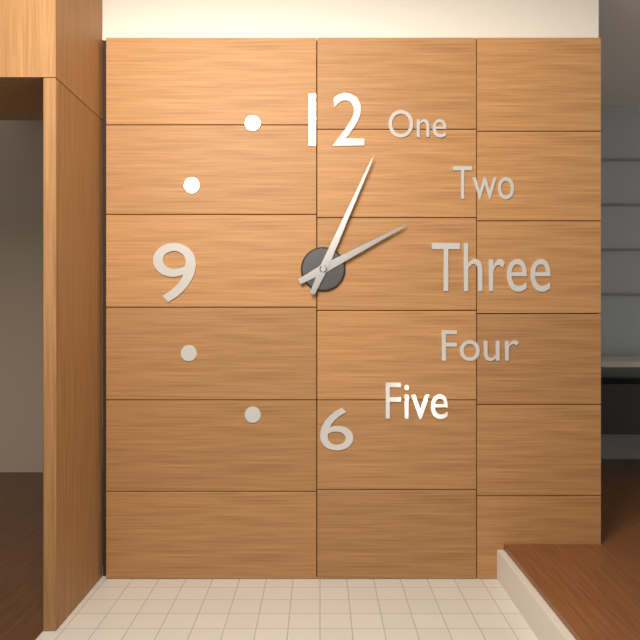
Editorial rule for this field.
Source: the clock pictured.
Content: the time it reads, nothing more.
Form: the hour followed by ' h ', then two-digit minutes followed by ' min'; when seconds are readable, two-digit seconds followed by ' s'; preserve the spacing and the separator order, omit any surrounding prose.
2 h 04 min
